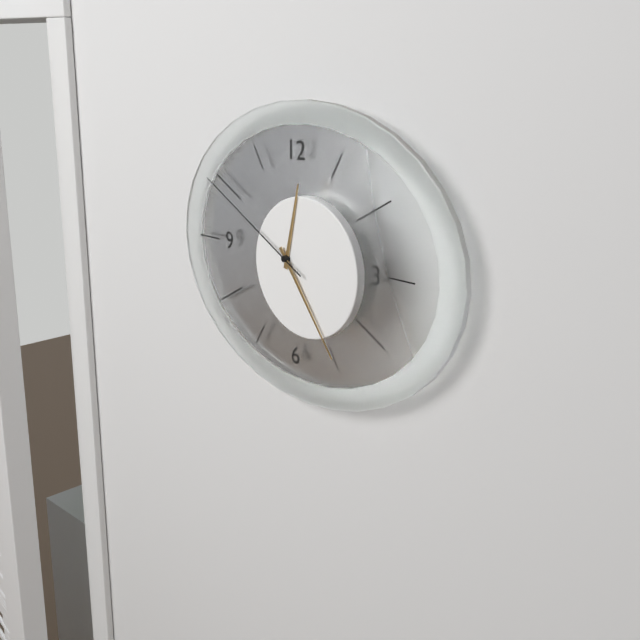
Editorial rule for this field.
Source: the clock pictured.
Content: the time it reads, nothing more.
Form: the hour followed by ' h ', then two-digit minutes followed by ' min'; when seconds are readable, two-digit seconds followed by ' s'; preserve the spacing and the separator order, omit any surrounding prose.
12 h 24 min 50 s
